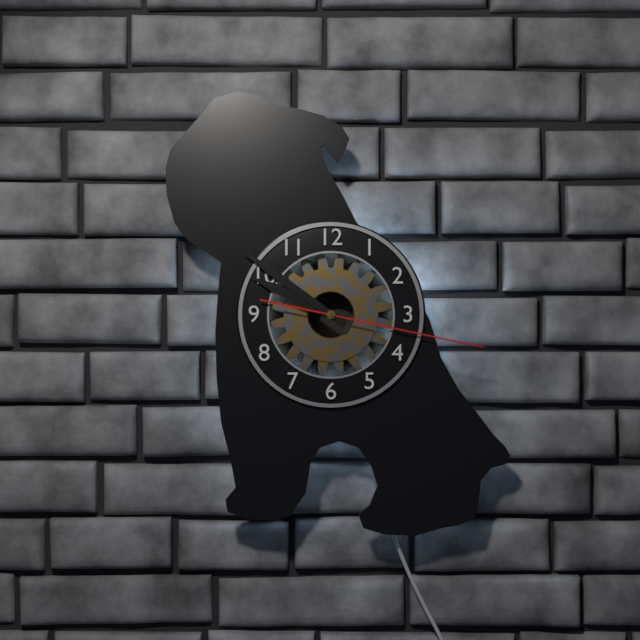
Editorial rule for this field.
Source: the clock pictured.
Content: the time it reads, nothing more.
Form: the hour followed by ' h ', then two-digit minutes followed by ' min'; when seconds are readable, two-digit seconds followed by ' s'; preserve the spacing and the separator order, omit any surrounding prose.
9 h 51 min 17 s
